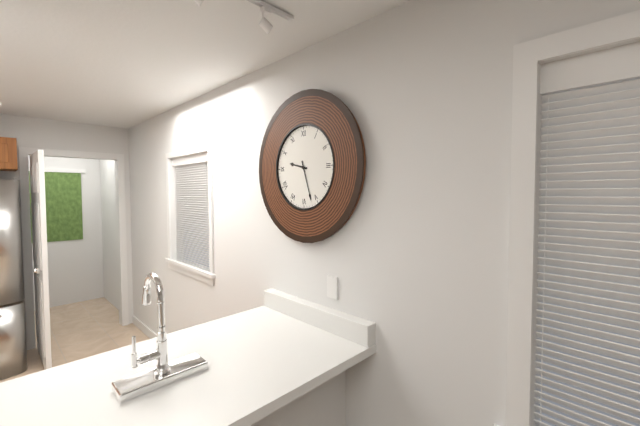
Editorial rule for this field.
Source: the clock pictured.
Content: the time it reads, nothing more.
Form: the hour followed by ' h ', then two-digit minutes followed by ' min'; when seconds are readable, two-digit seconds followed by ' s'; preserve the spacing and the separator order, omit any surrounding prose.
9 h 27 min
